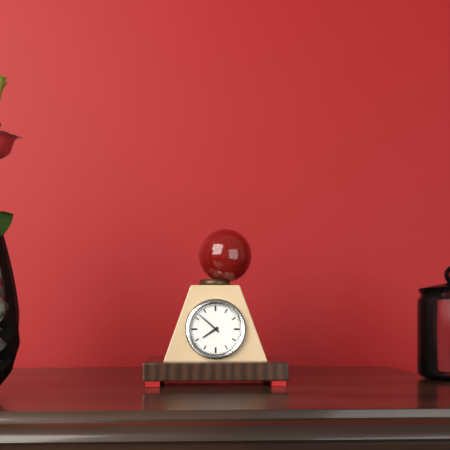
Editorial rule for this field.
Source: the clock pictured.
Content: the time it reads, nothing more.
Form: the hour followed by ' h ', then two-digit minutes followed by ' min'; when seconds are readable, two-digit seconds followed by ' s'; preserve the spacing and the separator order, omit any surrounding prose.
7 h 52 min
